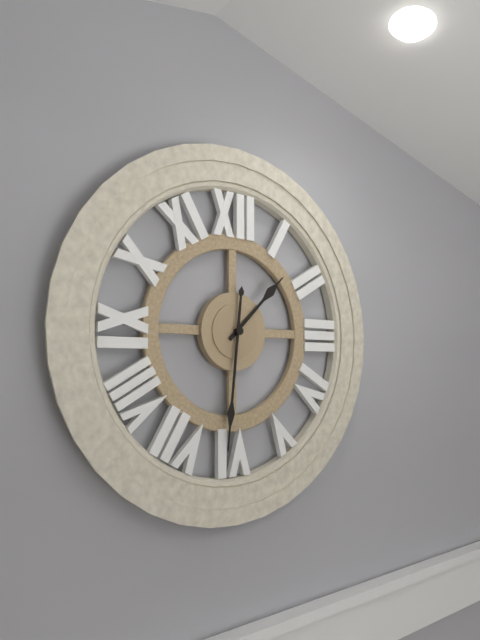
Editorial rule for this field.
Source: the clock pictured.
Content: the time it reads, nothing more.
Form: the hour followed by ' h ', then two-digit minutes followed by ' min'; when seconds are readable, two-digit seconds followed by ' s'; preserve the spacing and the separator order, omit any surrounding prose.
1 h 31 min
